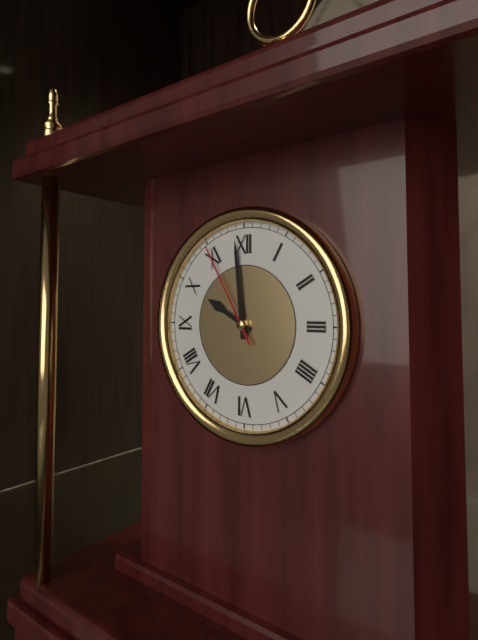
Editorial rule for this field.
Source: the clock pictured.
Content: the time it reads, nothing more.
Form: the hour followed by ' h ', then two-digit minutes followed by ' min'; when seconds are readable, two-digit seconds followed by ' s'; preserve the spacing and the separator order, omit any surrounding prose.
9 h 59 min 55 s
